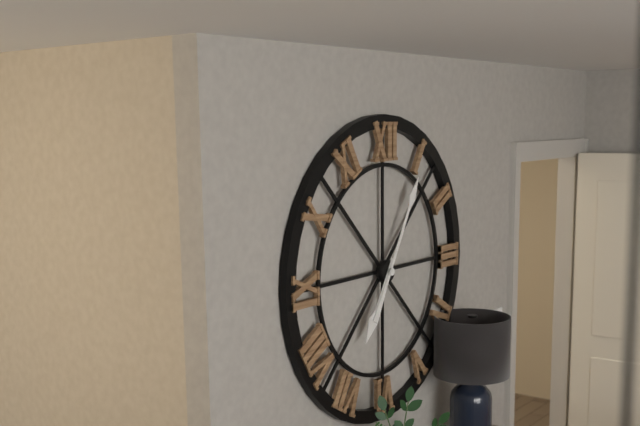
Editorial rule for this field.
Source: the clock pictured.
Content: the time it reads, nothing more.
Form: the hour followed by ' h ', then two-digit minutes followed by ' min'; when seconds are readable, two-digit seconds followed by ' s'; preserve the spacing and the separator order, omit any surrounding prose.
7 h 05 min
